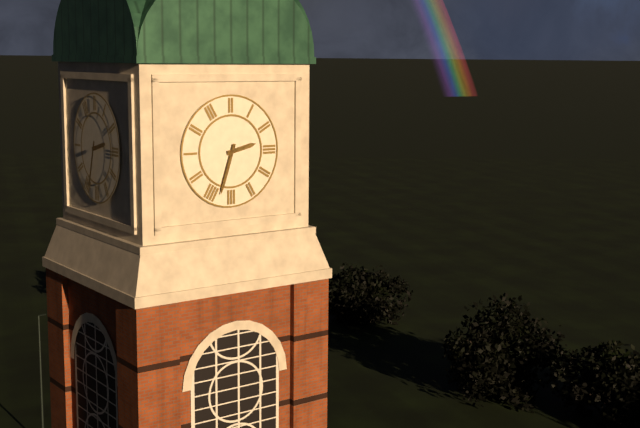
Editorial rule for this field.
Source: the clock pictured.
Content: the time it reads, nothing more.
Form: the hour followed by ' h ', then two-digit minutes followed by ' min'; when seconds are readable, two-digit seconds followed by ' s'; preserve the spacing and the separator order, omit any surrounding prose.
2 h 33 min
